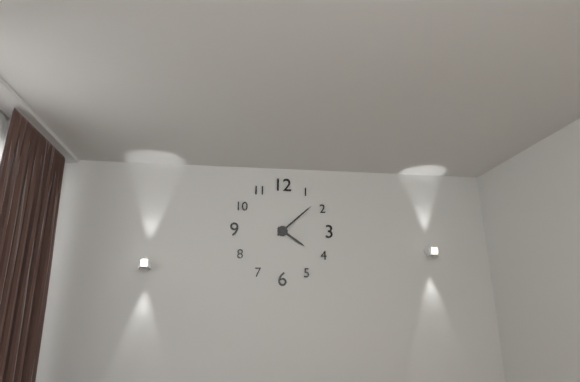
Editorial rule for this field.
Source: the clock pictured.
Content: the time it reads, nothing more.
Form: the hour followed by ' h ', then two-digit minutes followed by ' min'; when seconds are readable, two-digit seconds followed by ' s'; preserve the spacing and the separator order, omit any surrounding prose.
4 h 08 min
